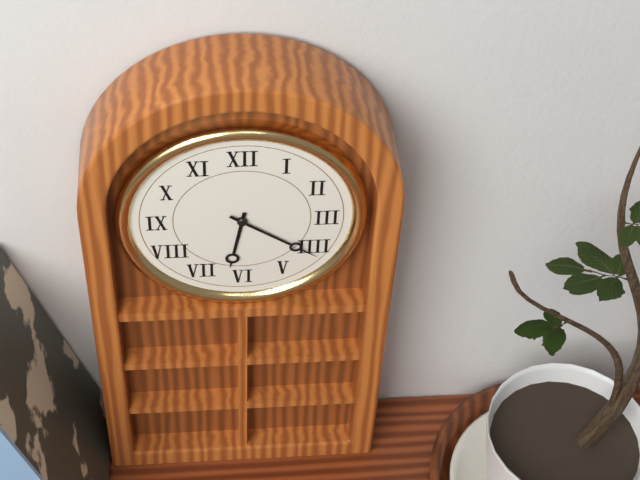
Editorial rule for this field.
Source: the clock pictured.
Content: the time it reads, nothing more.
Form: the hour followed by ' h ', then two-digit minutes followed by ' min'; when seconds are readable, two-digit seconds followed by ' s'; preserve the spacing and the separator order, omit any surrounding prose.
6 h 21 min
